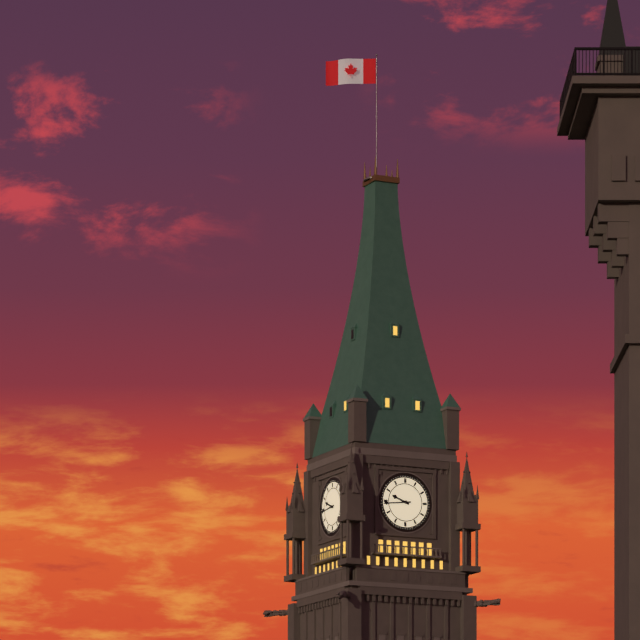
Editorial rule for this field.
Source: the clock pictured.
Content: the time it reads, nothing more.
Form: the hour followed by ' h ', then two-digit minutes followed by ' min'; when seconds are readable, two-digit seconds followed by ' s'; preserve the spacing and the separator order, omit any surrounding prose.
9 h 44 min
